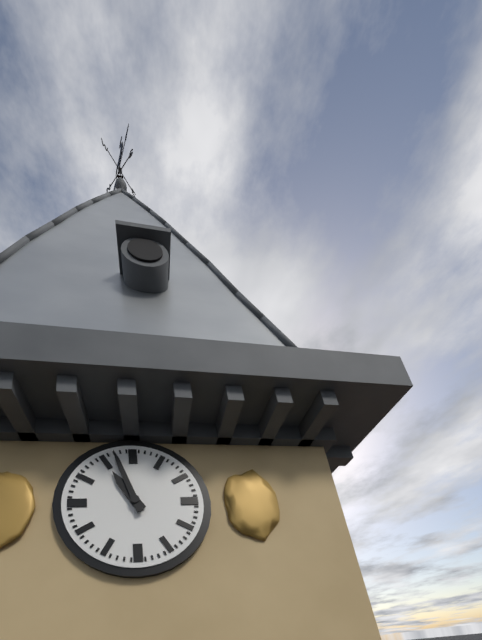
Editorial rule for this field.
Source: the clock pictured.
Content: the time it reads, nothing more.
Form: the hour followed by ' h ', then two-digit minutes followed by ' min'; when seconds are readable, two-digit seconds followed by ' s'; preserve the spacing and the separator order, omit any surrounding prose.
10 h 57 min
